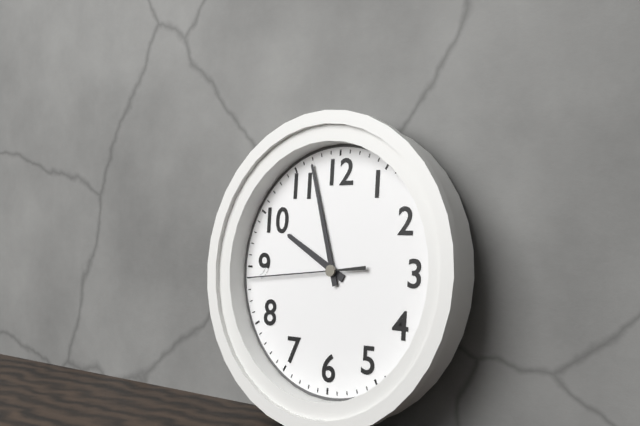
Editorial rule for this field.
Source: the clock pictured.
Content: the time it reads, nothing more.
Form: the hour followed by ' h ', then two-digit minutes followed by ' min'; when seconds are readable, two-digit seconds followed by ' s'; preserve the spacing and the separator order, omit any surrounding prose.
9 h 57 min 44 s
